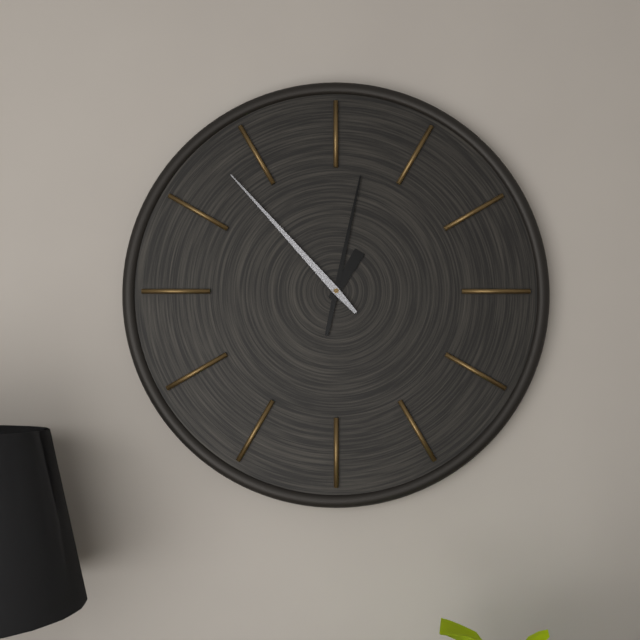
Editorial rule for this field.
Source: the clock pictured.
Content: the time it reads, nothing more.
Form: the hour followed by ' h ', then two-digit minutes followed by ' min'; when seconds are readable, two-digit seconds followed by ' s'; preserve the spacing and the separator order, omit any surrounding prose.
1 h 02 min 53 s
